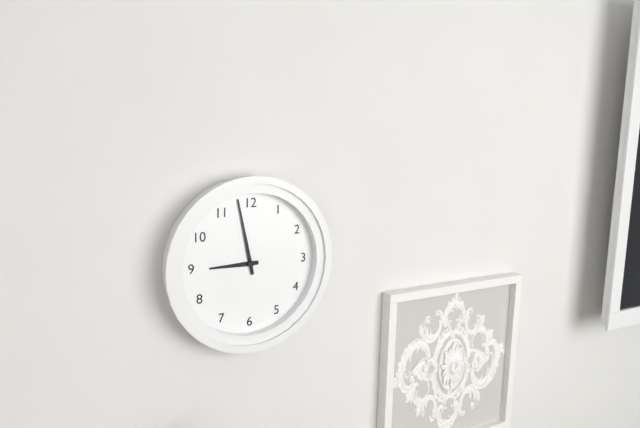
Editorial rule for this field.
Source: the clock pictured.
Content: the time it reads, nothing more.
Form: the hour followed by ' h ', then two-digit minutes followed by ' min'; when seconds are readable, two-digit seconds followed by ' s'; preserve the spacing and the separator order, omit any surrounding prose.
8 h 58 min
